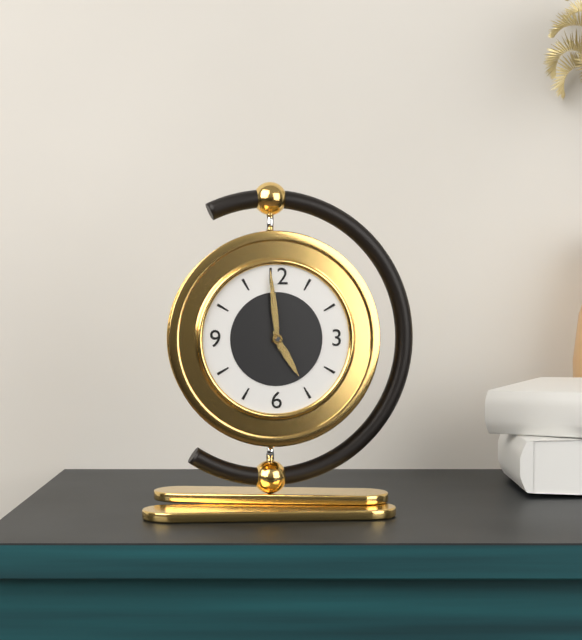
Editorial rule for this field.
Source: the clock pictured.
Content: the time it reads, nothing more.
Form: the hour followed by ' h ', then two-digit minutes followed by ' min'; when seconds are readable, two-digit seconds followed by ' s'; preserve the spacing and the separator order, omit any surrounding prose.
4 h 59 min
